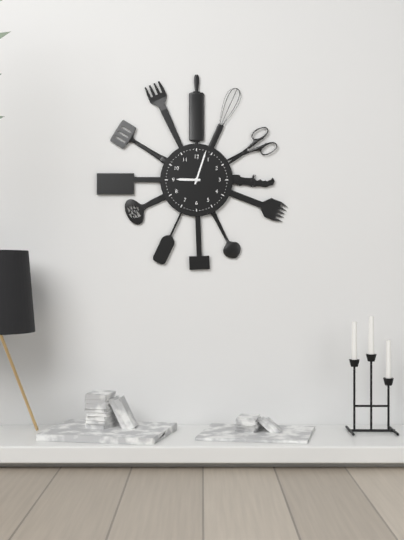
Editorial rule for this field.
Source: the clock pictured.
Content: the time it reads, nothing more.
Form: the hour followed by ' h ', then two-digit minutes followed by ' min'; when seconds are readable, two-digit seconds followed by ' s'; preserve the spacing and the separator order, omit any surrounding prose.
9 h 03 min
